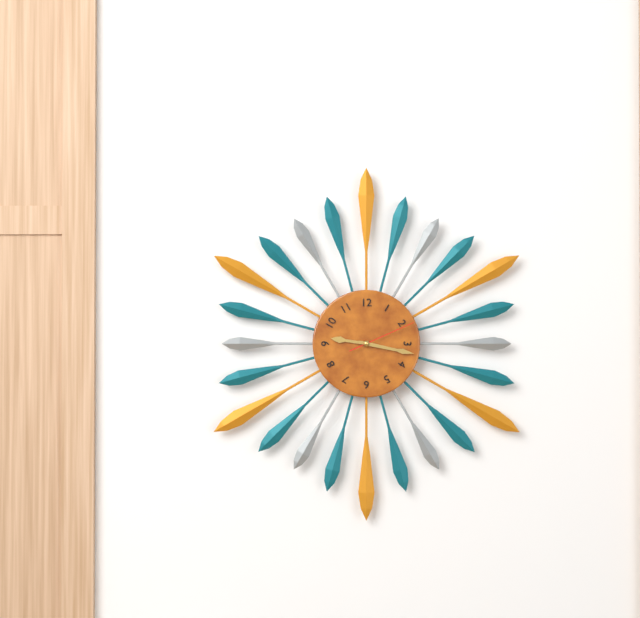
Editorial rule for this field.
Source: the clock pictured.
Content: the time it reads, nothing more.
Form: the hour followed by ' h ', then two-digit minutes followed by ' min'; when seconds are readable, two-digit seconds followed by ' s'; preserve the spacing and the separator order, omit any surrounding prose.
9 h 17 min 11 s
